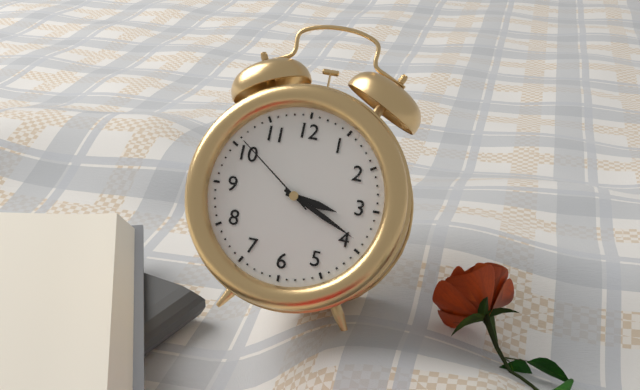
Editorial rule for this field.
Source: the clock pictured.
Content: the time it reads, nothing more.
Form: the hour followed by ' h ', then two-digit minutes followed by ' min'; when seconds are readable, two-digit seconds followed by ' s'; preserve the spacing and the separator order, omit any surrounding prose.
3 h 19 min 51 s
